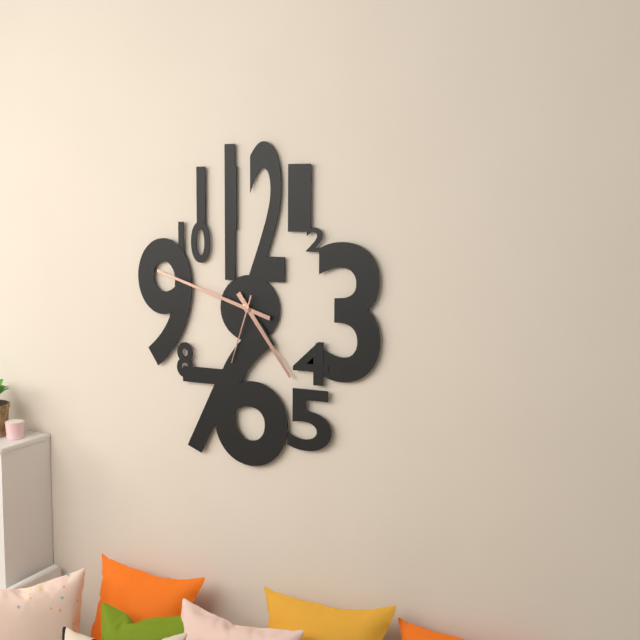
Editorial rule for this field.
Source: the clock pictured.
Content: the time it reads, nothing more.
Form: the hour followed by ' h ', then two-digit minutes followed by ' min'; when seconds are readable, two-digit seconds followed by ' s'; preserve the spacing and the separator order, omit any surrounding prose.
4 h 48 min 33 s
